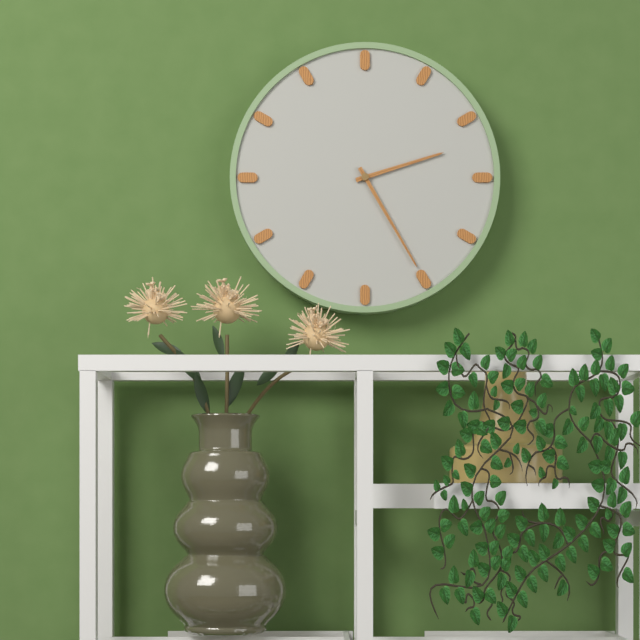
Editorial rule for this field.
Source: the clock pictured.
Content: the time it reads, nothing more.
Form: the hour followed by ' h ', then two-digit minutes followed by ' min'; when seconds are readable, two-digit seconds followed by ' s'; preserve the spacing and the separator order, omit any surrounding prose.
2 h 25 min
